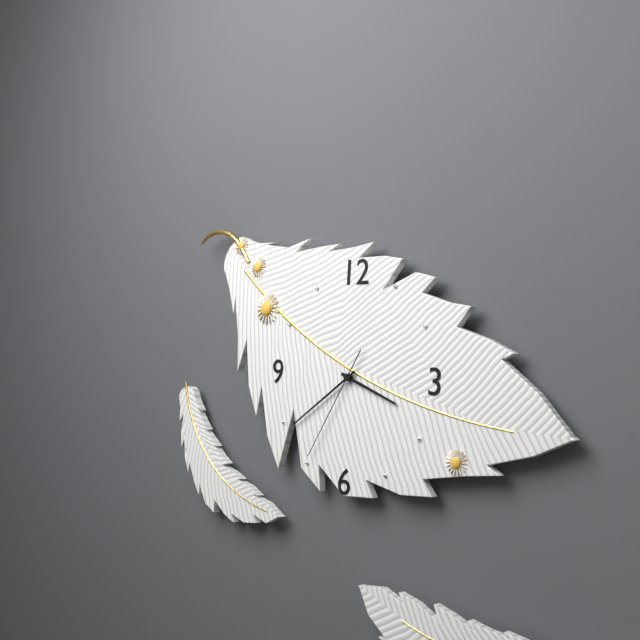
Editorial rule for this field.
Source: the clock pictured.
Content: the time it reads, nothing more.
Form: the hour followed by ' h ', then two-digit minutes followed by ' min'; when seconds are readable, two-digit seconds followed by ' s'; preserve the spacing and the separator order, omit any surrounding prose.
3 h 39 min 35 s
